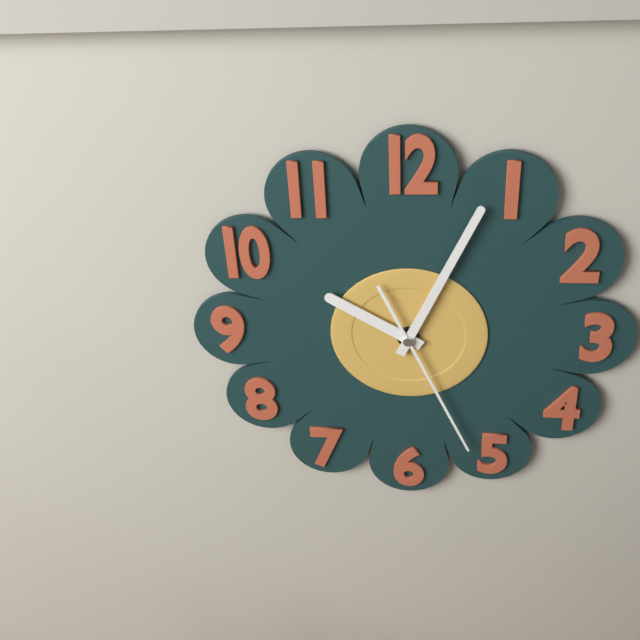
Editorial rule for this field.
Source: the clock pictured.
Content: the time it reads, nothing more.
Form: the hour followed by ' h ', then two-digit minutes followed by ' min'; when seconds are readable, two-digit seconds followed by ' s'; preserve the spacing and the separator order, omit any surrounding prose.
10 h 04 min 26 s
